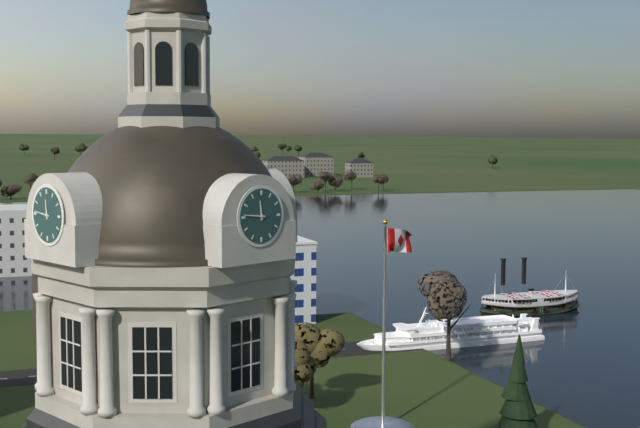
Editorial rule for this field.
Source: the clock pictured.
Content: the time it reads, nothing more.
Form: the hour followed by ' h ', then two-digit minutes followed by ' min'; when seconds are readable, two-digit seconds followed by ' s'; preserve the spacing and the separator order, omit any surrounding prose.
11 h 46 min
